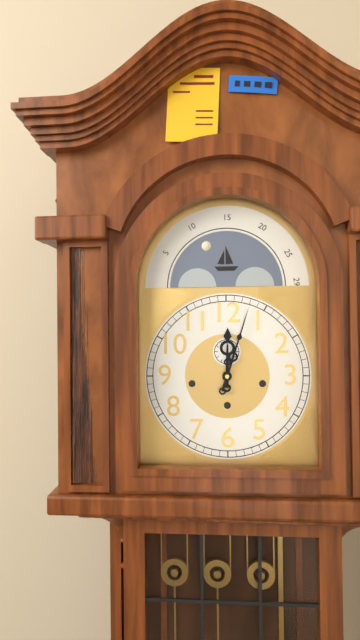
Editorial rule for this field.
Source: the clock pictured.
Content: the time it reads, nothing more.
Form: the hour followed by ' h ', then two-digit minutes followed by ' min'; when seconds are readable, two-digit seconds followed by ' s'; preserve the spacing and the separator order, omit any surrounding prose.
12 h 03 min
